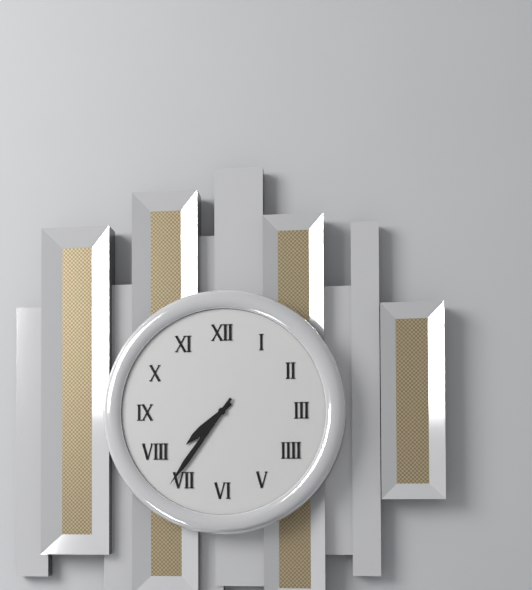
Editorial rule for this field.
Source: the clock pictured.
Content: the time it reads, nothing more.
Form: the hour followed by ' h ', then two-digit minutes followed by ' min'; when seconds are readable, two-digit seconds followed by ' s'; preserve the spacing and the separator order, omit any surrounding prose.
7 h 36 min
